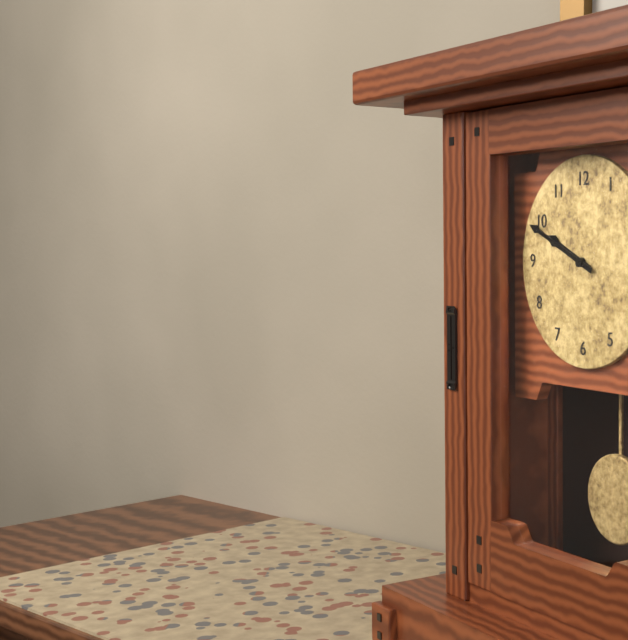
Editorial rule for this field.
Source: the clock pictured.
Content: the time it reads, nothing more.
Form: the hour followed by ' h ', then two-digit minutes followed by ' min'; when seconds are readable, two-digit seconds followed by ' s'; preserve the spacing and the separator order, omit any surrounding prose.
9 h 49 min
